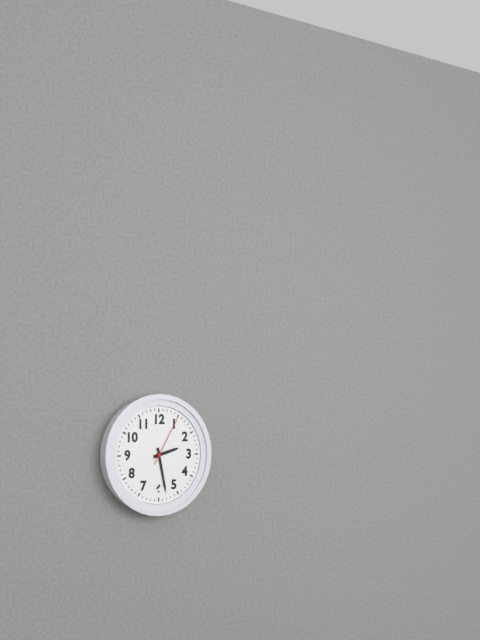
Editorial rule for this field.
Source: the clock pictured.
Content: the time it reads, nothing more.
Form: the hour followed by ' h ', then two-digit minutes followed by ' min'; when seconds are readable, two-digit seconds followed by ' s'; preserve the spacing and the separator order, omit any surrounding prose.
2 h 28 min 05 s
